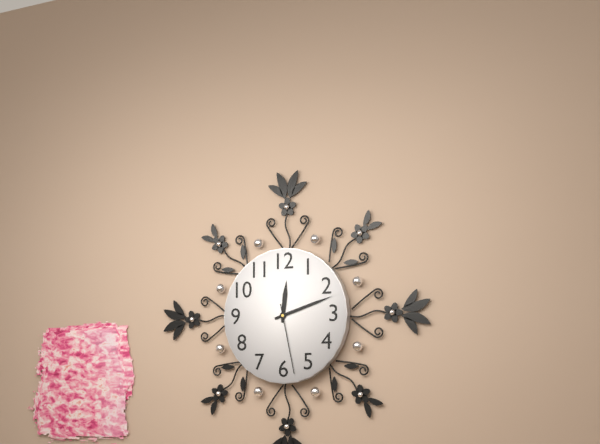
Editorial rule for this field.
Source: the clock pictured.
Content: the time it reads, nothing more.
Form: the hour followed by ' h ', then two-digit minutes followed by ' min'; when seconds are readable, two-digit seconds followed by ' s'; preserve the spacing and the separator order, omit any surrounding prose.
12 h 12 min 28 s
